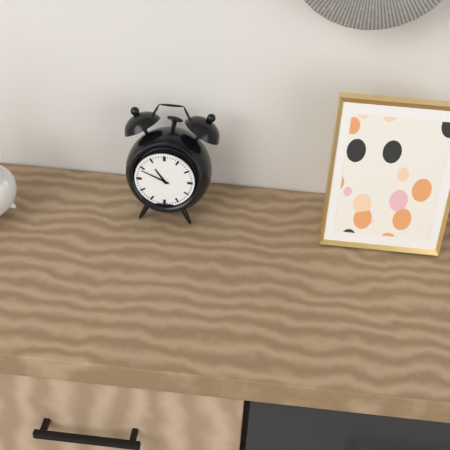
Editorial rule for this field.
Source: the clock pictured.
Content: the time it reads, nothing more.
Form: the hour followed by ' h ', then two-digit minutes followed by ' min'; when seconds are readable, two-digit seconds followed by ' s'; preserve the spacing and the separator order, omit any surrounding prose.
10 h 49 min
